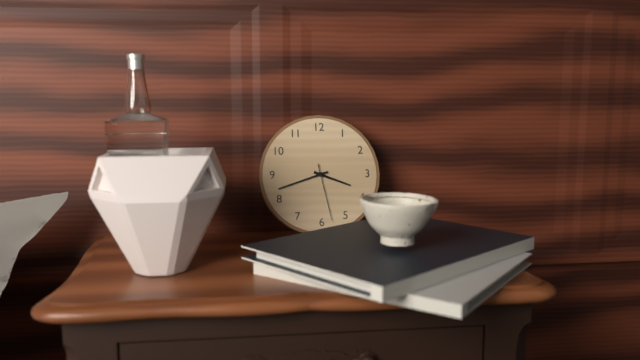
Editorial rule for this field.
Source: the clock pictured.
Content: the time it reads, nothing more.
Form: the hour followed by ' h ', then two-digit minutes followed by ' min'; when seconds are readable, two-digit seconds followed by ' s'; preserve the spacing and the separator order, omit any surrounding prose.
3 h 42 min 28 s
